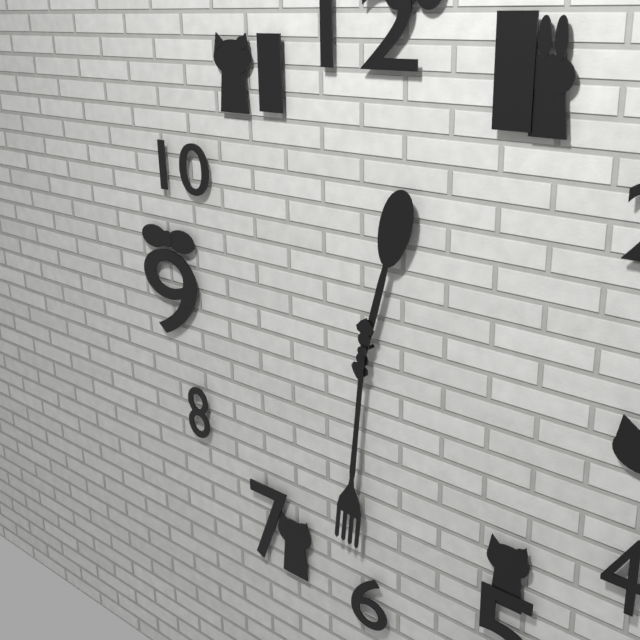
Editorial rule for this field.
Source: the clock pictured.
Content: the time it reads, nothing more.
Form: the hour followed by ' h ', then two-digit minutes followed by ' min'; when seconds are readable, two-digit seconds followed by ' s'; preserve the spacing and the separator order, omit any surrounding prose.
12 h 31 min
